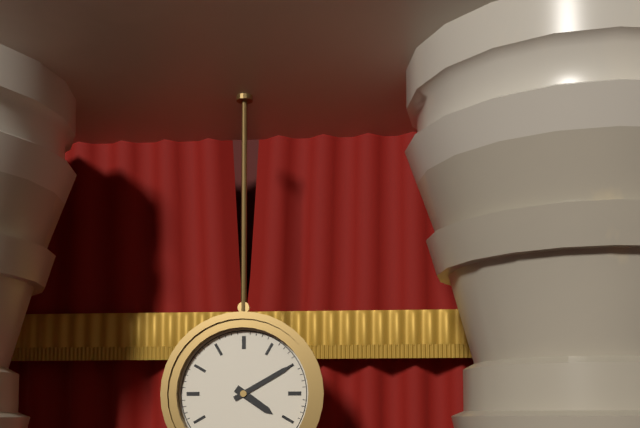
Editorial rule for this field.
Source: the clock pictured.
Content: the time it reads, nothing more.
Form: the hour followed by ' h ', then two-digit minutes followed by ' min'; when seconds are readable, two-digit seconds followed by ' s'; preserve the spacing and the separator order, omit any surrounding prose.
4 h 10 min
